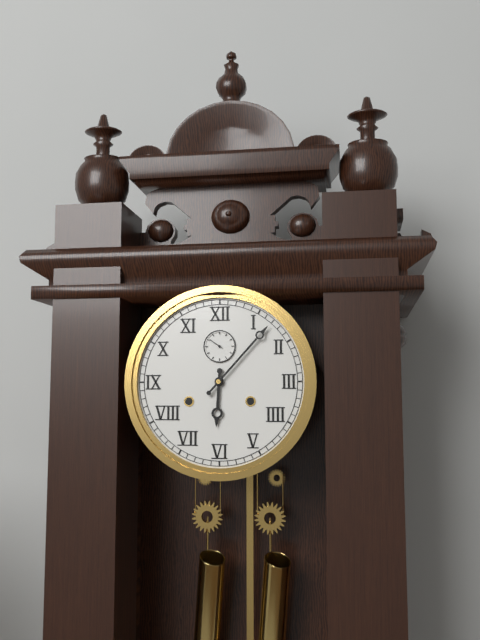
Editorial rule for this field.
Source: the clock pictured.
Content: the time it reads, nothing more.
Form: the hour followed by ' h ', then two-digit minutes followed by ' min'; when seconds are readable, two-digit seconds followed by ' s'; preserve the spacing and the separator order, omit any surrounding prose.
6 h 07 min
